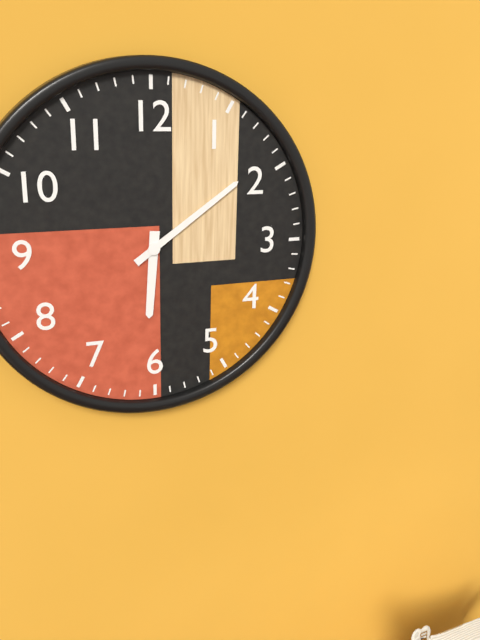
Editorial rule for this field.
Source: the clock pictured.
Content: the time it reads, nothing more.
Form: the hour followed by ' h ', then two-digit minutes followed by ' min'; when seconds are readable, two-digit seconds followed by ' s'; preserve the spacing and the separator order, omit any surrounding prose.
6 h 09 min
